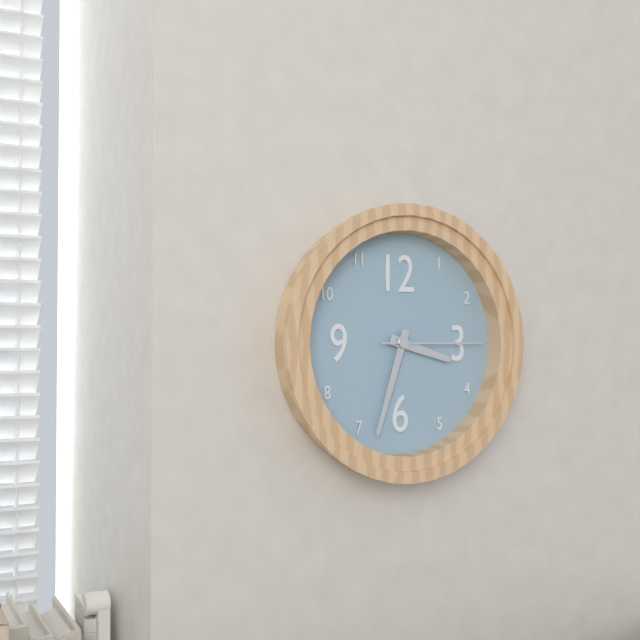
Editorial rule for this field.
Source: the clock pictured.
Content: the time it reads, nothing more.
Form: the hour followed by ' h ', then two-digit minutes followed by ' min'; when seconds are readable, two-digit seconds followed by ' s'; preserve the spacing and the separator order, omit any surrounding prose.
3 h 33 min 15 s
